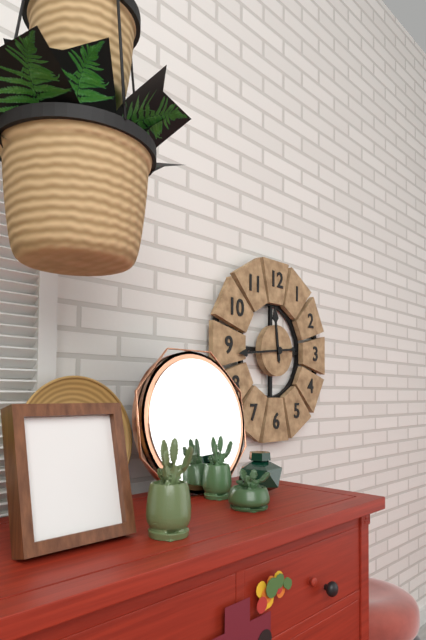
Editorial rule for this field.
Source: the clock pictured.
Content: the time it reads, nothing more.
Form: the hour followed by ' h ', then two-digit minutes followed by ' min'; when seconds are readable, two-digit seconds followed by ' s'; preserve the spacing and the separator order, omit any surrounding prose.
11 h 44 min
